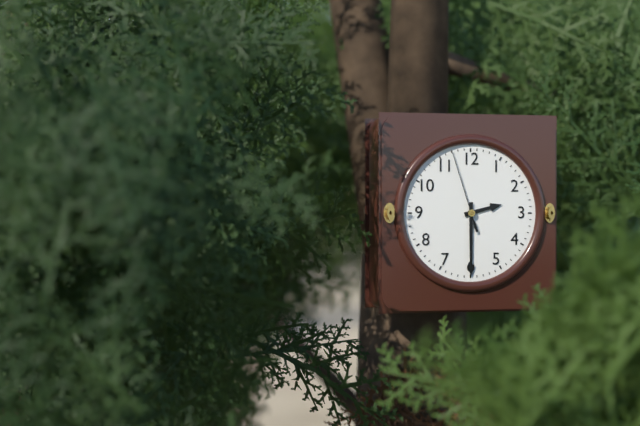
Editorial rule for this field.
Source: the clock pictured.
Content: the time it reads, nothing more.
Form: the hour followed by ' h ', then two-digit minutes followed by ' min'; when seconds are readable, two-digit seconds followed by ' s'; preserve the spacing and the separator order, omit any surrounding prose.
2 h 30 min 57 s
